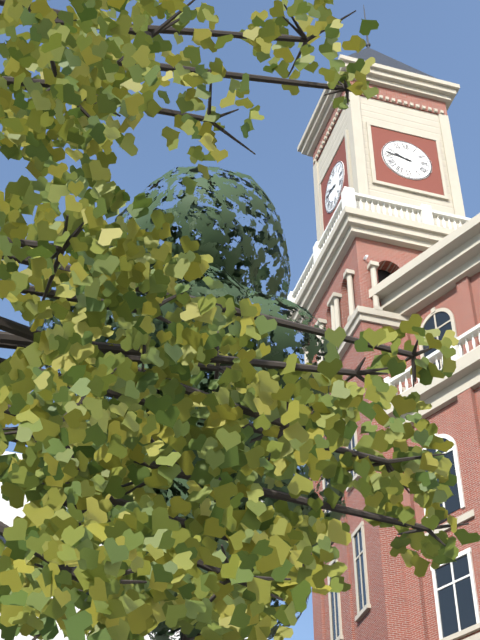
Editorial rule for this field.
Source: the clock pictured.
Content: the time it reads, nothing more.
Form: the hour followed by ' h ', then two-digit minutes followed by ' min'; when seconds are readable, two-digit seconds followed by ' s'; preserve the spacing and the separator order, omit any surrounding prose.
9 h 47 min
